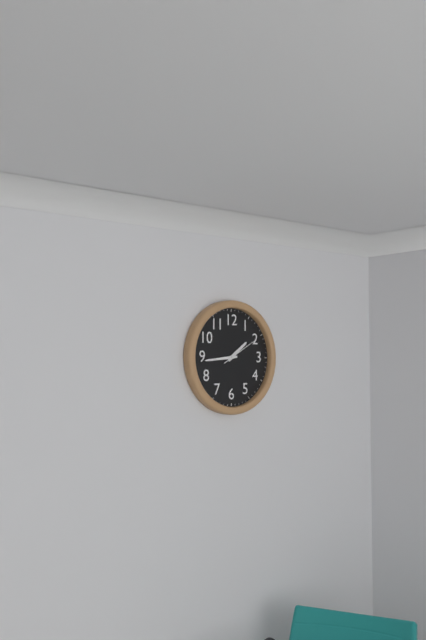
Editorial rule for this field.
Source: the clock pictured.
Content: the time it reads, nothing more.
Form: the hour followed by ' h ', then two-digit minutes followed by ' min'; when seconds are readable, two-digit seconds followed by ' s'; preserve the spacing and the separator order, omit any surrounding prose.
1 h 44 min
